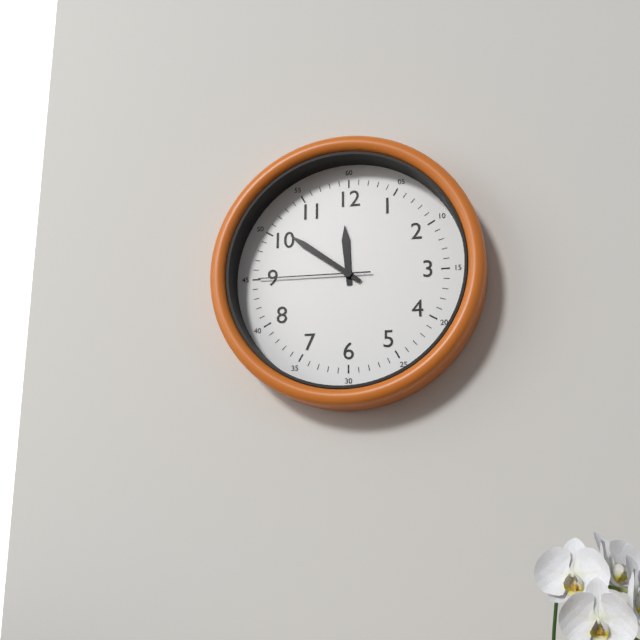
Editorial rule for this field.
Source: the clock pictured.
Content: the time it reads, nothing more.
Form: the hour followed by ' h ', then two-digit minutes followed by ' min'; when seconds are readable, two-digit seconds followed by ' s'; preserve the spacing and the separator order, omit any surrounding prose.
11 h 51 min 45 s
